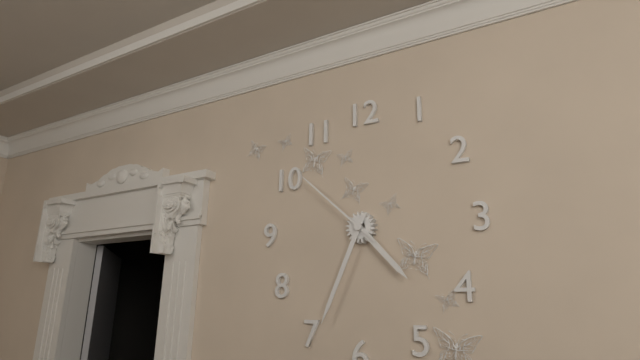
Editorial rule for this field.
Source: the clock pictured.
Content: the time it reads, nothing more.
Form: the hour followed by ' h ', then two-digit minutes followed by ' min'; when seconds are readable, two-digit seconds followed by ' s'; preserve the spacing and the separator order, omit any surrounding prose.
4 h 34 min 52 s
